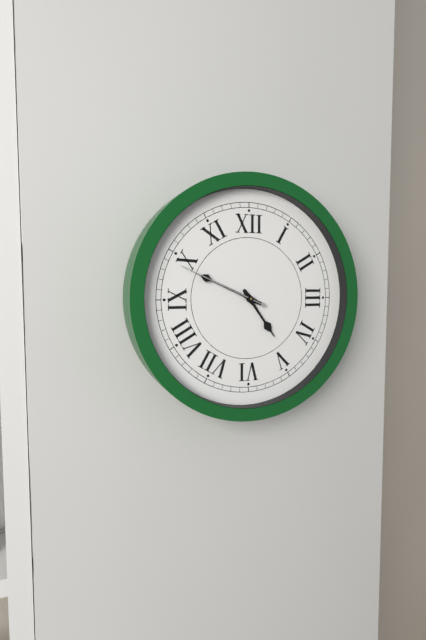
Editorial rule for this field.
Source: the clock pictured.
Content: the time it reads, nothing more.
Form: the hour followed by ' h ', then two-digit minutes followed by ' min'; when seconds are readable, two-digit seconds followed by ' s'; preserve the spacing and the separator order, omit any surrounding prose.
4 h 49 min 49 s
